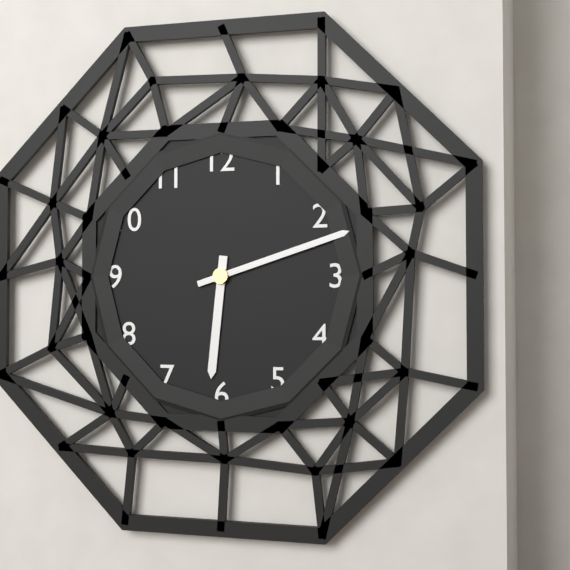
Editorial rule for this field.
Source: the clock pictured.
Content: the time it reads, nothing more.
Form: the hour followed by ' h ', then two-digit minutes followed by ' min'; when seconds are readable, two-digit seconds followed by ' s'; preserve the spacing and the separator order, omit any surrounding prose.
6 h 12 min
